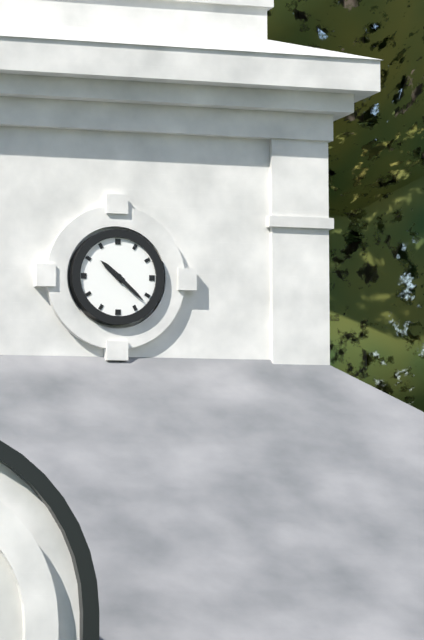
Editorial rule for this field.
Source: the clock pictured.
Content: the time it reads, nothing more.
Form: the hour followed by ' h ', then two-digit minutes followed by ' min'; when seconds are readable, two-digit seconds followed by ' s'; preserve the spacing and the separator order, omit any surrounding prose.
10 h 22 min
